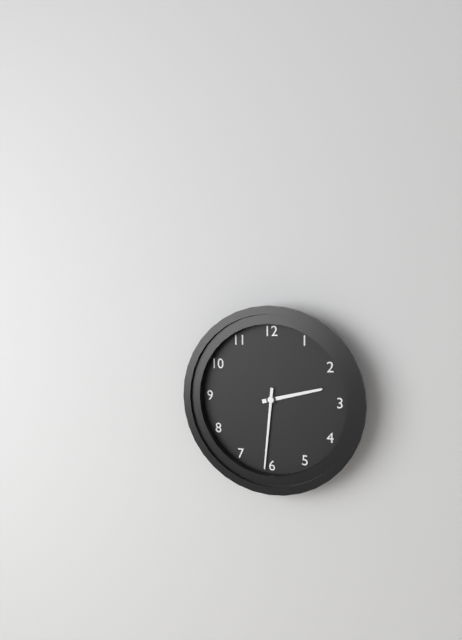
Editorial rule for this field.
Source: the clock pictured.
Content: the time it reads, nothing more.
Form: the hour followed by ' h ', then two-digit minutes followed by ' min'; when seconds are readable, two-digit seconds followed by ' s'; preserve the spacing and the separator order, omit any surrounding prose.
2 h 31 min
